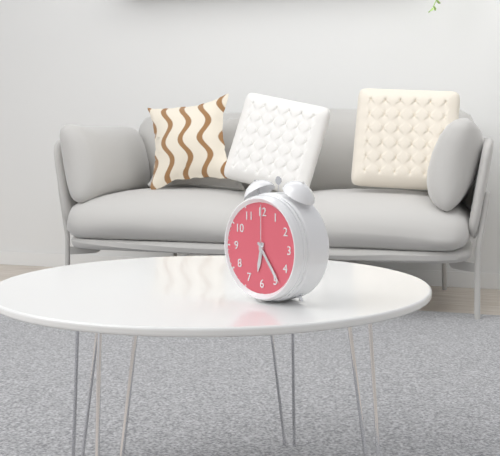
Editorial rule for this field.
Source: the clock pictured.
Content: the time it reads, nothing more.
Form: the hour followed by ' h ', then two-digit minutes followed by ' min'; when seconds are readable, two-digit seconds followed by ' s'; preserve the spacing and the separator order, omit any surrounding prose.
6 h 24 min 00 s
